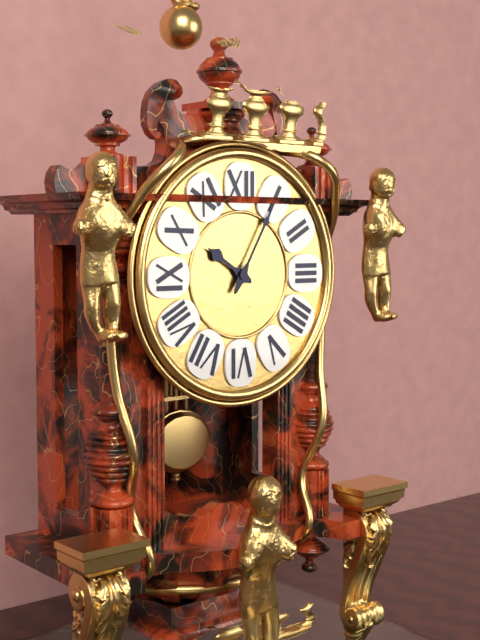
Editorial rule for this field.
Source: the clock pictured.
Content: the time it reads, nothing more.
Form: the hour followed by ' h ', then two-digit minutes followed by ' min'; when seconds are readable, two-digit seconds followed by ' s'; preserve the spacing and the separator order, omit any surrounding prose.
10 h 05 min
